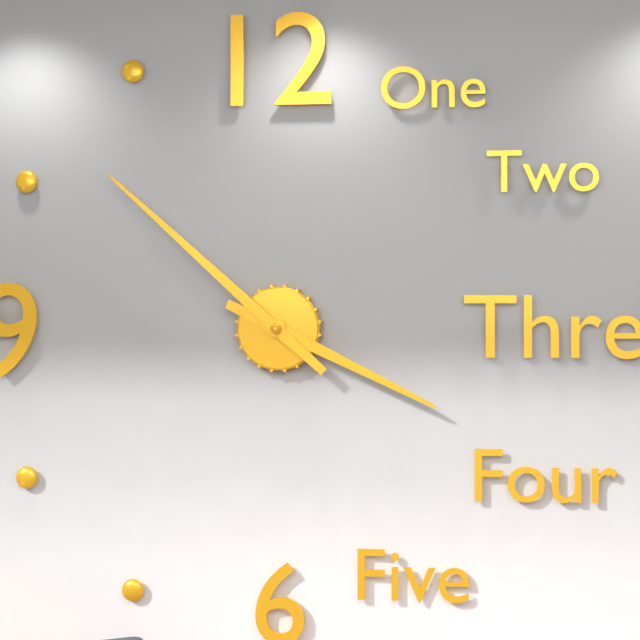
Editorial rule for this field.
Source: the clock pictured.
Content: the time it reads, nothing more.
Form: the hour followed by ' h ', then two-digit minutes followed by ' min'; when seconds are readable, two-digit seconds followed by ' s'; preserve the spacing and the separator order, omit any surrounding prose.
3 h 52 min
